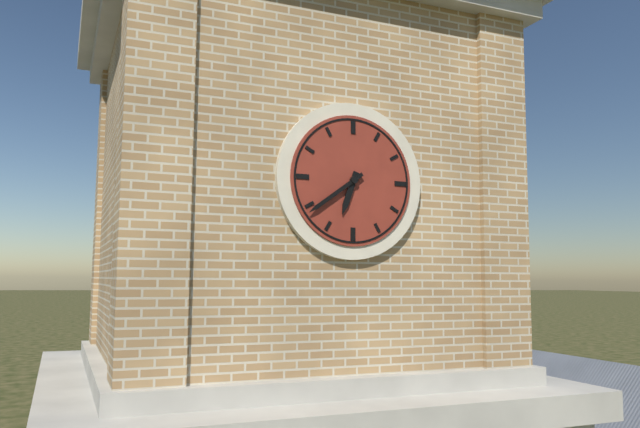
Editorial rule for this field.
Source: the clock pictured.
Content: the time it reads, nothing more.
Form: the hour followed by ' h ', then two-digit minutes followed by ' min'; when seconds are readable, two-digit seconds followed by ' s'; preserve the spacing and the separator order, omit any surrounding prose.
6 h 39 min
